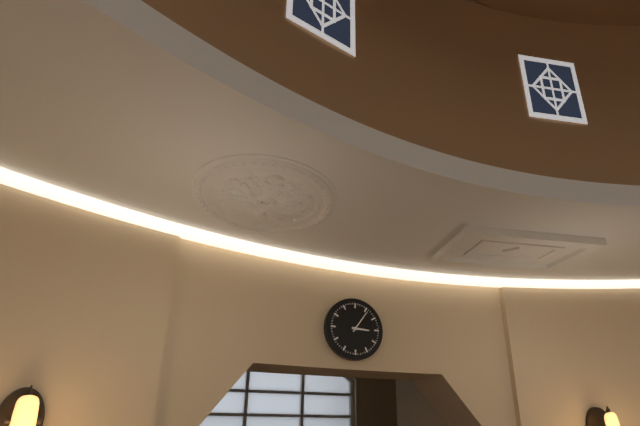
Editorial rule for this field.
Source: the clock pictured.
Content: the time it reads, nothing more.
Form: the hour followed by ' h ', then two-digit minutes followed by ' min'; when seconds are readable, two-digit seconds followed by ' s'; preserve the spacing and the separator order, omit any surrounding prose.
3 h 06 min
